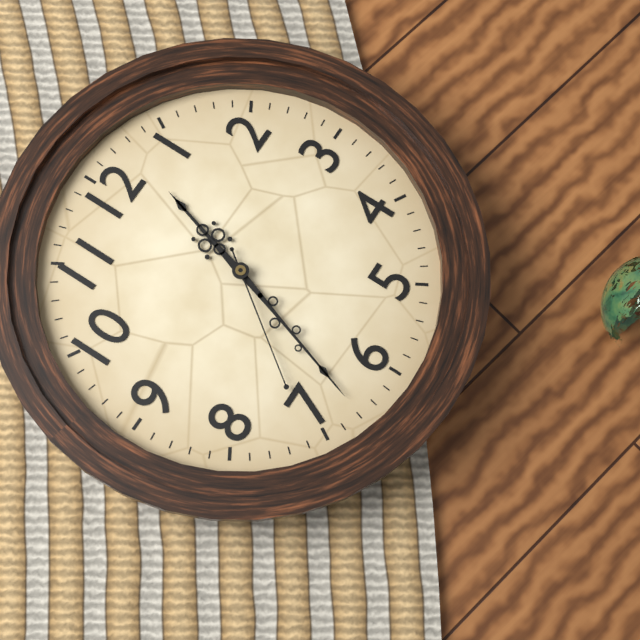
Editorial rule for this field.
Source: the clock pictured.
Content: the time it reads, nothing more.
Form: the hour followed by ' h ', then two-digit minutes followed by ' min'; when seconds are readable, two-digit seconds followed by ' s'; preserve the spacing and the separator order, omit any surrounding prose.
12 h 33 min 36 s
